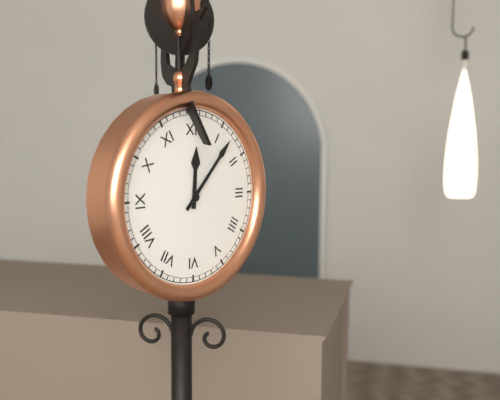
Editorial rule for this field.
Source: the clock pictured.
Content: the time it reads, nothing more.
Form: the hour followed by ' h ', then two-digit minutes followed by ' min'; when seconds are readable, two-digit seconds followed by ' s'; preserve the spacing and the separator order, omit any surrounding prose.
12 h 07 min
